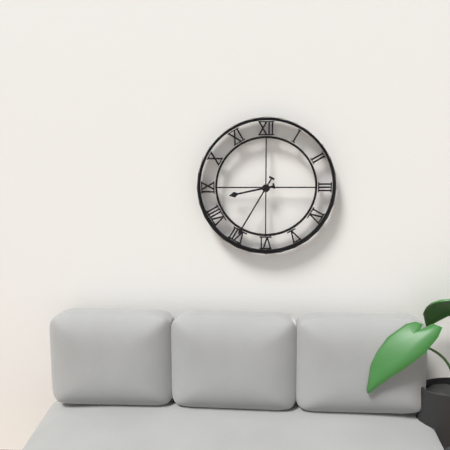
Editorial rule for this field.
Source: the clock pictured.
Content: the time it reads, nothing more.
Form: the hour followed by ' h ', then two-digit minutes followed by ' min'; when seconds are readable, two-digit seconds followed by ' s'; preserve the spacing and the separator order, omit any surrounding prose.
8 h 35 min
